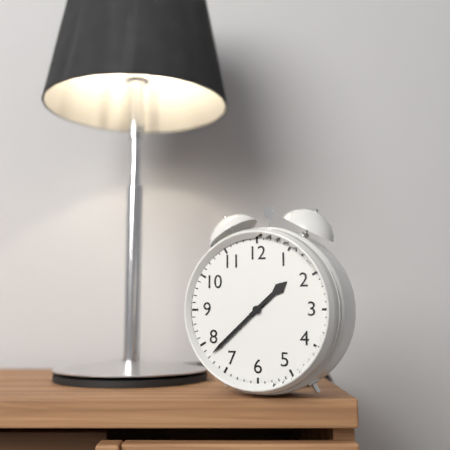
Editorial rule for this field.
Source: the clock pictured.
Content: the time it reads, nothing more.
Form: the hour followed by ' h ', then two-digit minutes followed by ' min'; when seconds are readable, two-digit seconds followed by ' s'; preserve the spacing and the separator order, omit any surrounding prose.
1 h 38 min
